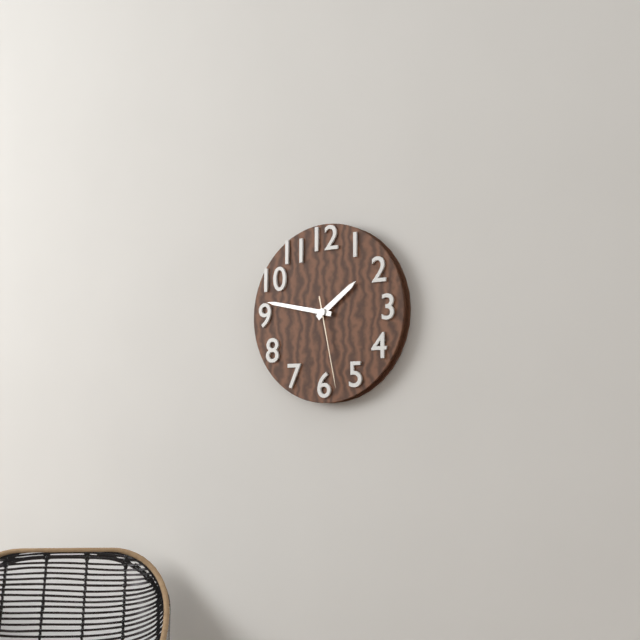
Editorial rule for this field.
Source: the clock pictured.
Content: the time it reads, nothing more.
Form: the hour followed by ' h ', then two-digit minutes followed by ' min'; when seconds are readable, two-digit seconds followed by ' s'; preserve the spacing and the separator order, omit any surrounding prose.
1 h 47 min 28 s
